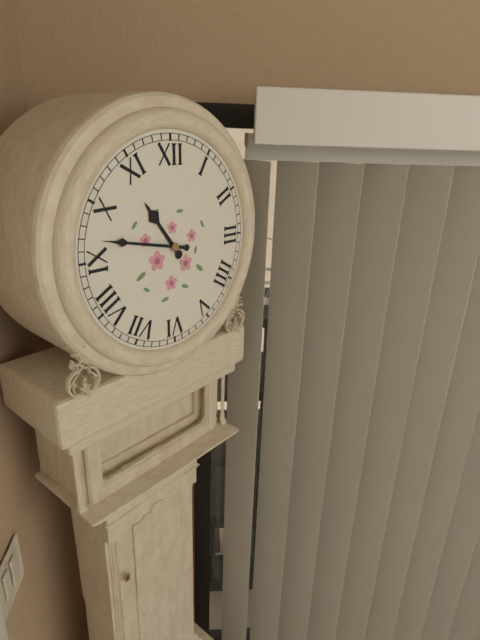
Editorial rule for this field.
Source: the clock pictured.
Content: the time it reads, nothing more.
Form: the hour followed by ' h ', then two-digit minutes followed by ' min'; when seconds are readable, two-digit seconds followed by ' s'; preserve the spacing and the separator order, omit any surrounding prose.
10 h 47 min
